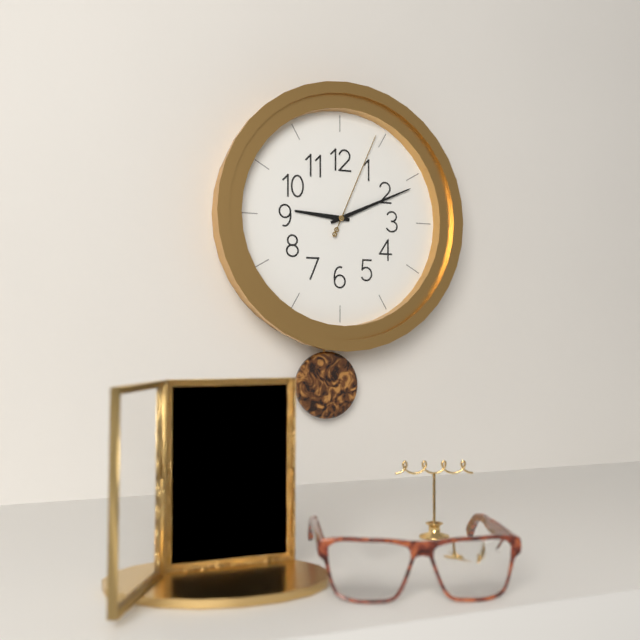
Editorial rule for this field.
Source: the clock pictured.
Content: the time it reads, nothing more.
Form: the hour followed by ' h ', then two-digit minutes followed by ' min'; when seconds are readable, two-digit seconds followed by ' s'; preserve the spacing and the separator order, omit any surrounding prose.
9 h 11 min 04 s
